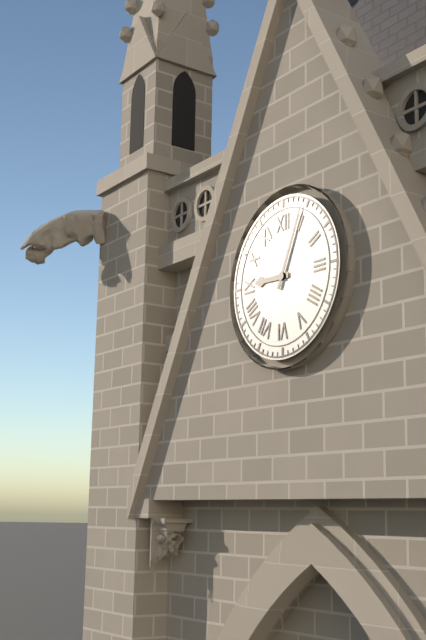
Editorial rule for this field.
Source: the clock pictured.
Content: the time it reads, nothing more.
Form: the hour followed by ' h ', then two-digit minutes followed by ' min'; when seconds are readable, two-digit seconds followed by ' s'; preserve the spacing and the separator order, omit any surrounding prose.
9 h 04 min
